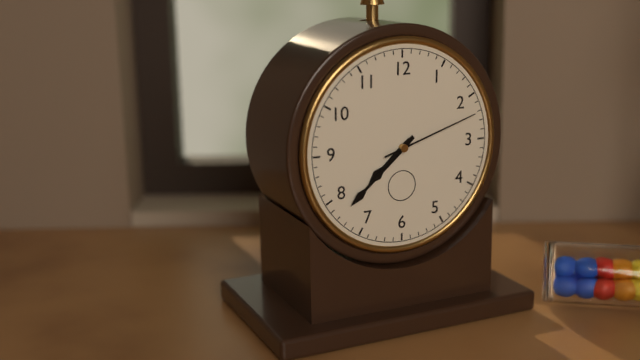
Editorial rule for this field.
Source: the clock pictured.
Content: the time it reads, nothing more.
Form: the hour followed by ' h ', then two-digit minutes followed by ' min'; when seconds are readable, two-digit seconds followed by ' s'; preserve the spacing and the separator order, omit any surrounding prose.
7 h 38 min 12 s
